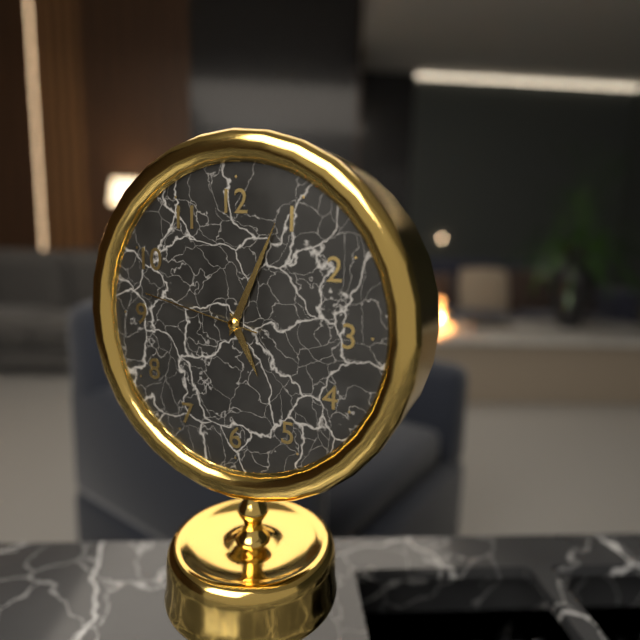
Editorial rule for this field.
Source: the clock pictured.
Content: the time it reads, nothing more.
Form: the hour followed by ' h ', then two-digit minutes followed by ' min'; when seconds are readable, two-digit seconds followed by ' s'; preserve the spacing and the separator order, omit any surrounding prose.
5 h 04 min 47 s
